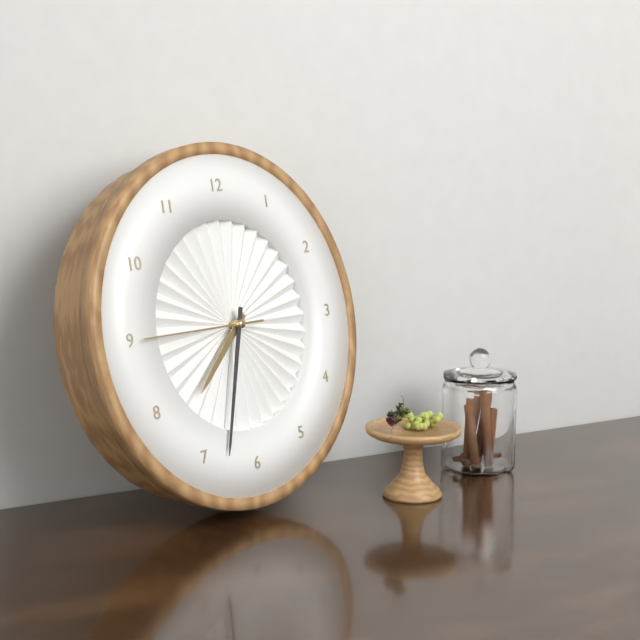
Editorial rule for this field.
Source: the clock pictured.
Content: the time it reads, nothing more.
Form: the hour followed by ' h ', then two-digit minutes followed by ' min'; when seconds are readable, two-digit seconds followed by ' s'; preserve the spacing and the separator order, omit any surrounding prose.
7 h 33 min 45 s
